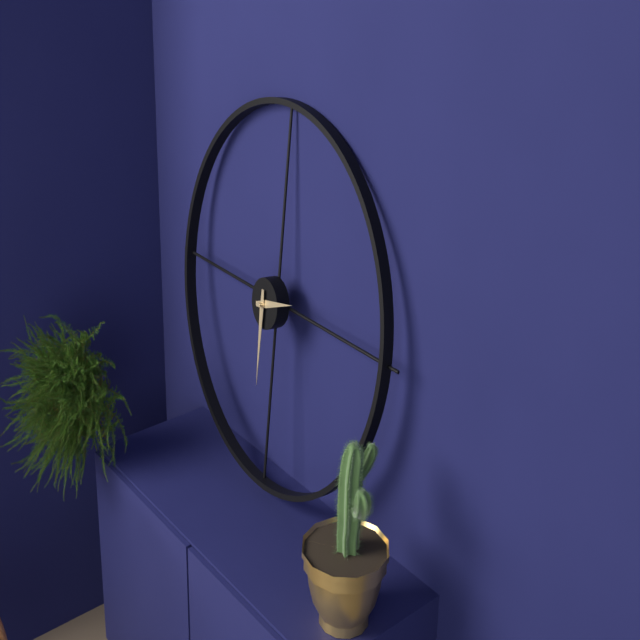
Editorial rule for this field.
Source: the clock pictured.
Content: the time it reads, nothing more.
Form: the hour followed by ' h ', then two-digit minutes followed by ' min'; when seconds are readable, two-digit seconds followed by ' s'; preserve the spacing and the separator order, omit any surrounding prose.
2 h 30 min
